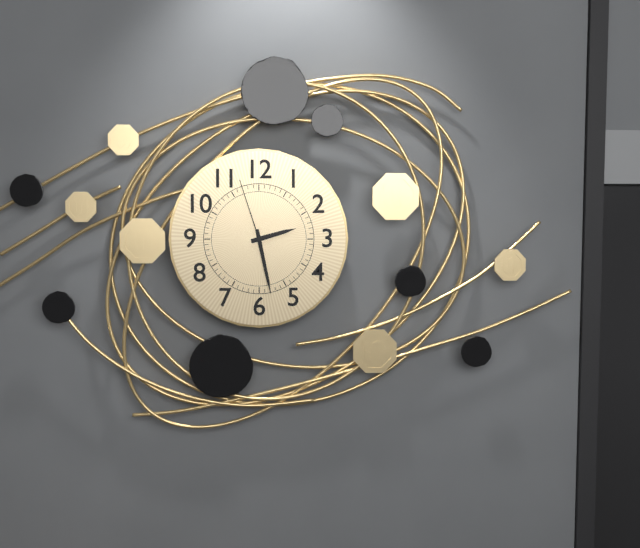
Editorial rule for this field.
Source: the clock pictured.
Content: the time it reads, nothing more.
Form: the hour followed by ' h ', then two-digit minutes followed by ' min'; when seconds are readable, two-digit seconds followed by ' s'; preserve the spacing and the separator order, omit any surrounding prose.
2 h 28 min 57 s
